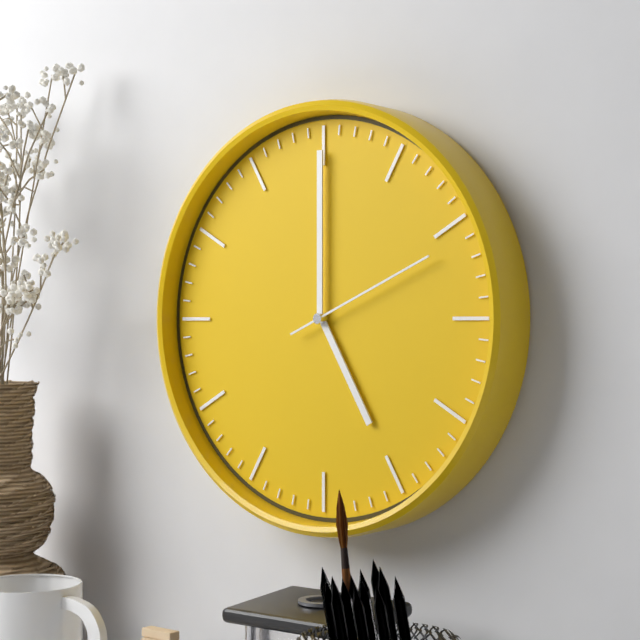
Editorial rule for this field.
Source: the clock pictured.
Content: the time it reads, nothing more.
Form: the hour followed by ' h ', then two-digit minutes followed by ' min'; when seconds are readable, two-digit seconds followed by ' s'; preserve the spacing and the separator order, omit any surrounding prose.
5 h 00 min 11 s
